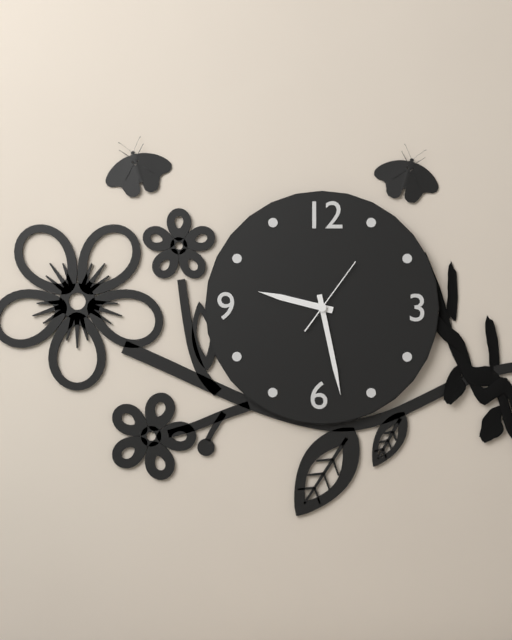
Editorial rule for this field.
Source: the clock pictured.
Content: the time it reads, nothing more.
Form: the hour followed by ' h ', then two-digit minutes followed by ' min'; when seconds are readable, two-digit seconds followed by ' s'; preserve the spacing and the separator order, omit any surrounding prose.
9 h 28 min 06 s
